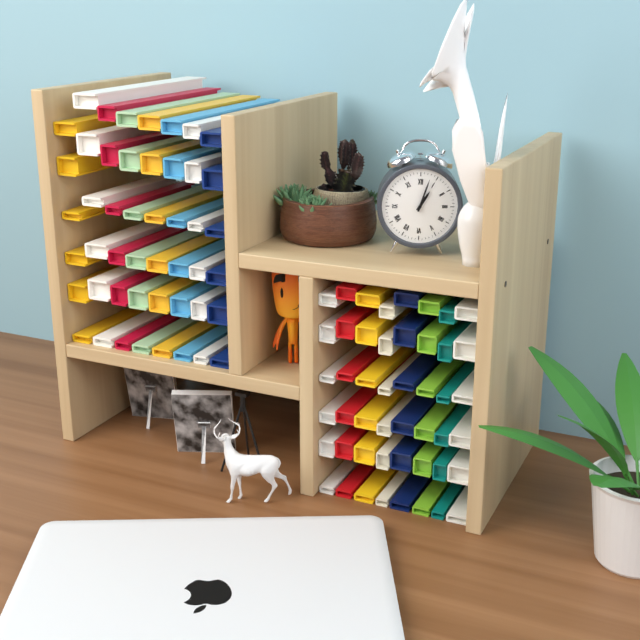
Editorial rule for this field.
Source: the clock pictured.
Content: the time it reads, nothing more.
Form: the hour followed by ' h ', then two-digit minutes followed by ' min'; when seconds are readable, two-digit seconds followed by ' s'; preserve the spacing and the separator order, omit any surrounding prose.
1 h 03 min
